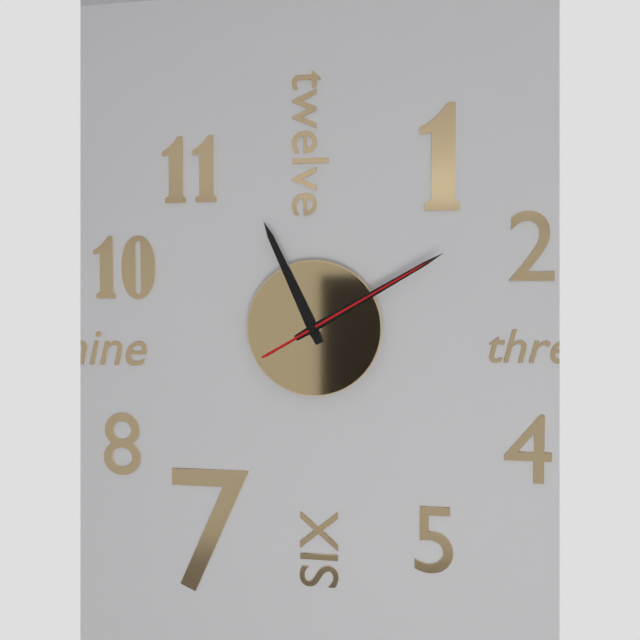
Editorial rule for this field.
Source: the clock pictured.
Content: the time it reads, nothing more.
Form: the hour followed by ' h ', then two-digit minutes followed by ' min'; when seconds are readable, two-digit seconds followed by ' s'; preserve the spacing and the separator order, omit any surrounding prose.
11 h 10 min 10 s
